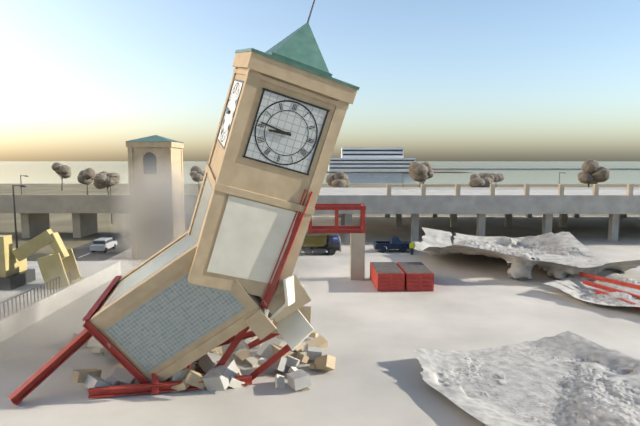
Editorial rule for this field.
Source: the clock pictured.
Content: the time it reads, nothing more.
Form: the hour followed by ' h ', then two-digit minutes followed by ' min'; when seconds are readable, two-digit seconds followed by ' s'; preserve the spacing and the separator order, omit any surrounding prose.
8 h 46 min
